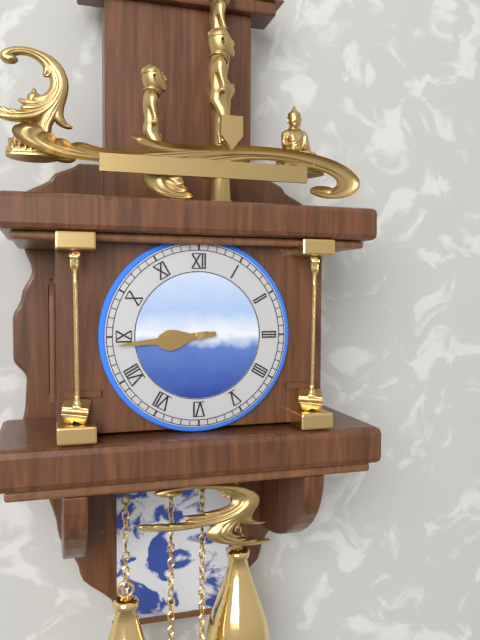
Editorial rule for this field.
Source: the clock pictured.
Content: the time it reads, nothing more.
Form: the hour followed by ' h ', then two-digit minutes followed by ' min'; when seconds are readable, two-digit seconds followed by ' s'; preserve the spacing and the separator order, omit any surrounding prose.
8 h 44 min
